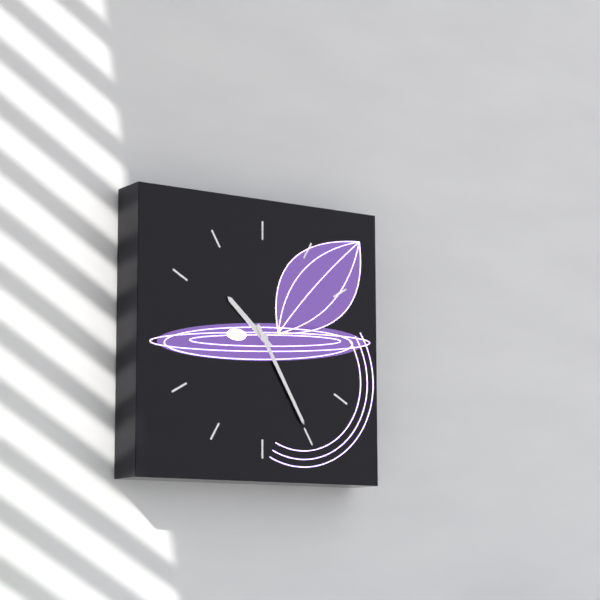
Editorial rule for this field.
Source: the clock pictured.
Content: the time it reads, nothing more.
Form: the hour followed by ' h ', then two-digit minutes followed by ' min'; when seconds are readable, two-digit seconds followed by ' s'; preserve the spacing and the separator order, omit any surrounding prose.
10 h 25 min
